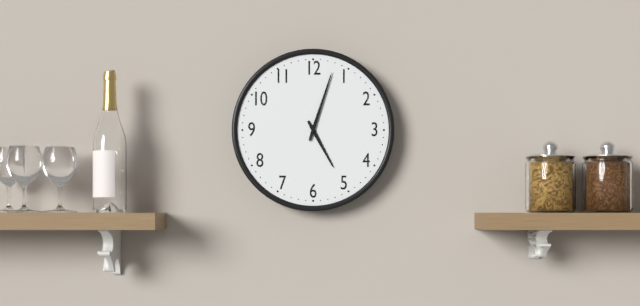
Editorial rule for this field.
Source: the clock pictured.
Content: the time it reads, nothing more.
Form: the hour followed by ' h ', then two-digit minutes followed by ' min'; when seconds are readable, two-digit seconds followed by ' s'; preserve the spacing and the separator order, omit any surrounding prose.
5 h 03 min
